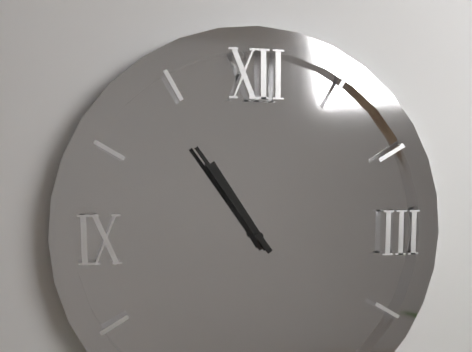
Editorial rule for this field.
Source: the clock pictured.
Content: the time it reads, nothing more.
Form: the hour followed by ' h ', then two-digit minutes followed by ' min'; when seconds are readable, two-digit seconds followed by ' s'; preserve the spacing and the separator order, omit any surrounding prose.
10 h 54 min
